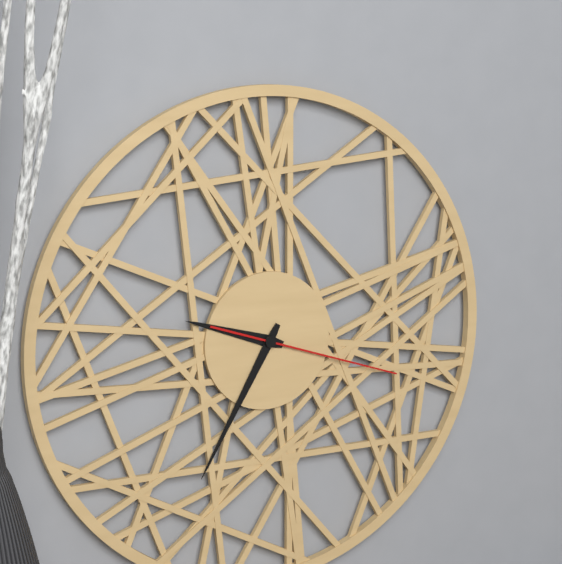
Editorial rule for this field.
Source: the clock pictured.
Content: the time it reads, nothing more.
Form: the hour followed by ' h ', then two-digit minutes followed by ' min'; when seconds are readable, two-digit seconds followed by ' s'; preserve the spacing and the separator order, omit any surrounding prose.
9 h 35 min 18 s
